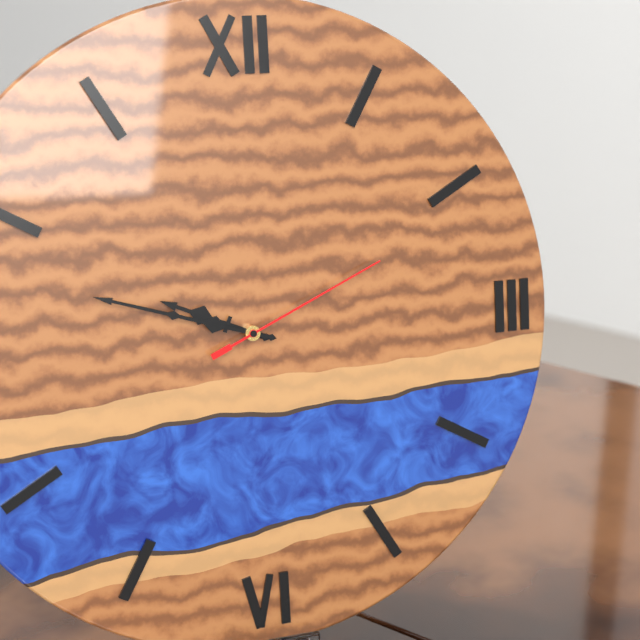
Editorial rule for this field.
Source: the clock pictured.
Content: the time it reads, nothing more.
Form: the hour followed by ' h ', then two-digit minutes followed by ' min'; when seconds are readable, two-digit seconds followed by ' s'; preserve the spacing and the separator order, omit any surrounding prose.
9 h 48 min 11 s
